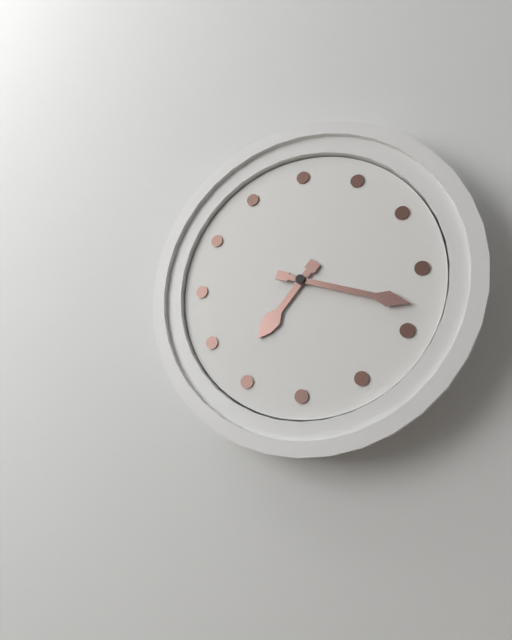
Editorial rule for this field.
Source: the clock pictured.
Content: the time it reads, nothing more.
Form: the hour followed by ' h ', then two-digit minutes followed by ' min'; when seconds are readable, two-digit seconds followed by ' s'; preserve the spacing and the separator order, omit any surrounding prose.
7 h 18 min
